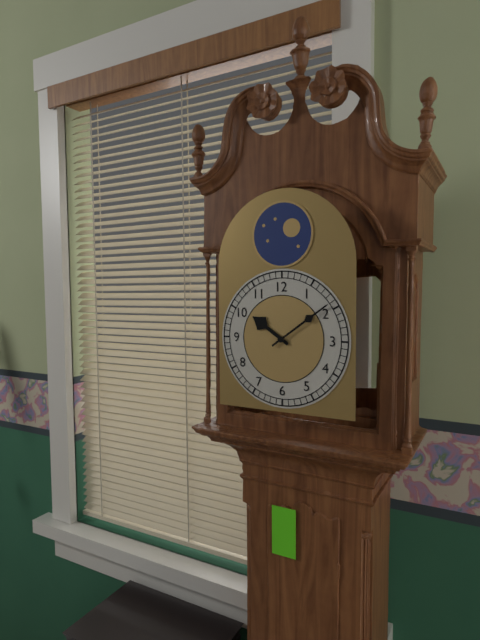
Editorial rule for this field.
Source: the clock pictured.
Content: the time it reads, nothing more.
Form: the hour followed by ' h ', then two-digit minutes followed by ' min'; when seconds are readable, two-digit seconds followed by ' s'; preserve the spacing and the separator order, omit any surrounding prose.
10 h 09 min
